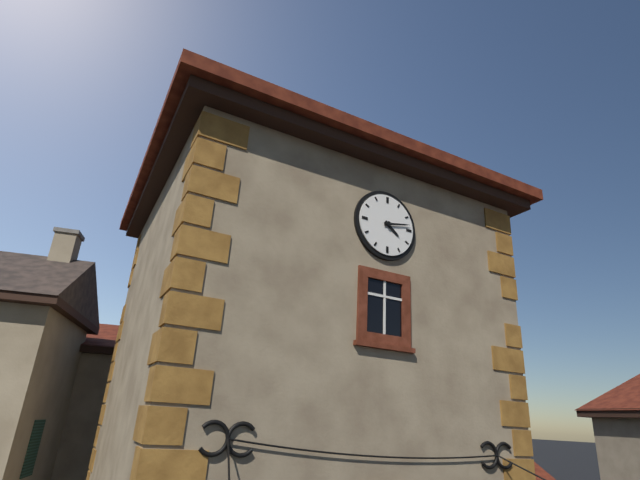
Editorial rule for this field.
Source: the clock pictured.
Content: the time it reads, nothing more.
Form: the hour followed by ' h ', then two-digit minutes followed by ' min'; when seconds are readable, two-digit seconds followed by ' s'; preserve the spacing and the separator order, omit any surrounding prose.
4 h 13 min
